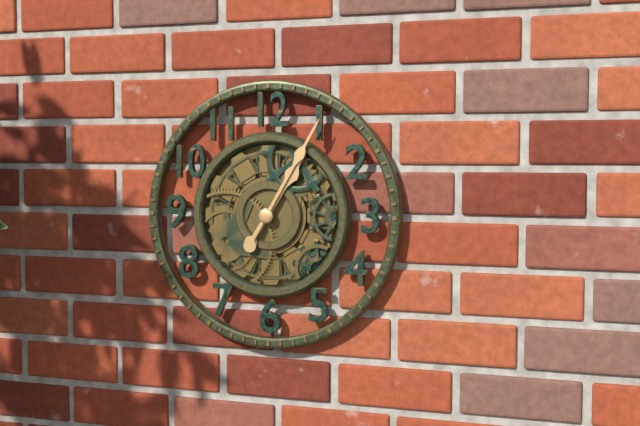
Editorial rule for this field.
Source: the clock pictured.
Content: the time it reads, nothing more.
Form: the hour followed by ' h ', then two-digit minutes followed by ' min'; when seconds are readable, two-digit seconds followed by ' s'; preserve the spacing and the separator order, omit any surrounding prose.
1 h 05 min
